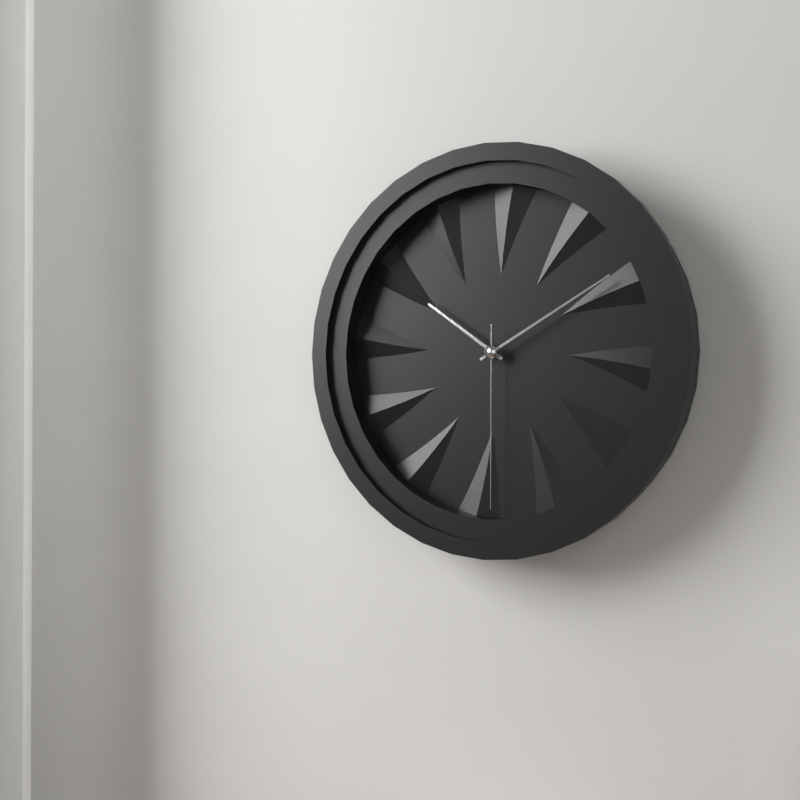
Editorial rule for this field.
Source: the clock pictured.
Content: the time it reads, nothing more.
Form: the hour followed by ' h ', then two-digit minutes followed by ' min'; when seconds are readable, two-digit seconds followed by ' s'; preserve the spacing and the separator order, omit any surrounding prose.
10 h 10 min 30 s
